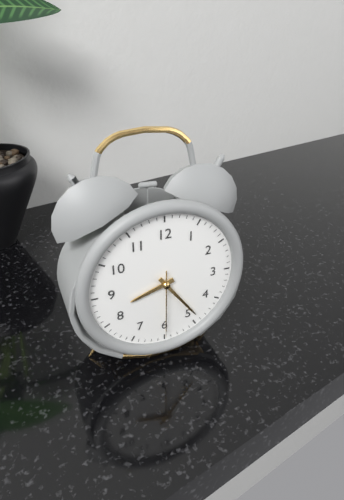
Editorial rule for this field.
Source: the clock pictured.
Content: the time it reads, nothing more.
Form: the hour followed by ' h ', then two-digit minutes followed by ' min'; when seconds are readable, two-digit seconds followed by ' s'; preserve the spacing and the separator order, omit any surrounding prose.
8 h 24 min 30 s
